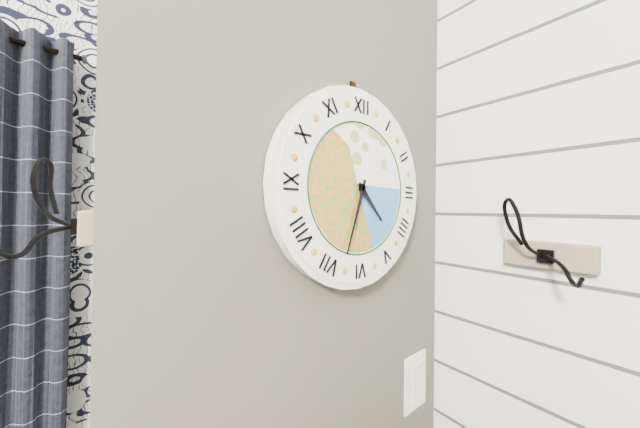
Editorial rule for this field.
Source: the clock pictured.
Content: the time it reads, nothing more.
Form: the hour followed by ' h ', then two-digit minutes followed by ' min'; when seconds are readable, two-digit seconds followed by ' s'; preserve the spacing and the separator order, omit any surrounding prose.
4 h 33 min
